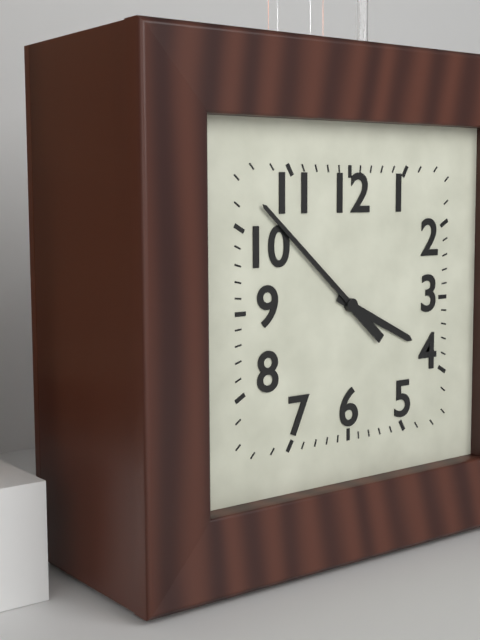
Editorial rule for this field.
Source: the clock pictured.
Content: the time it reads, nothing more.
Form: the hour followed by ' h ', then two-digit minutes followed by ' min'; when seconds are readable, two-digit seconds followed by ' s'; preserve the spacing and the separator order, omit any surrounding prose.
3 h 52 min
